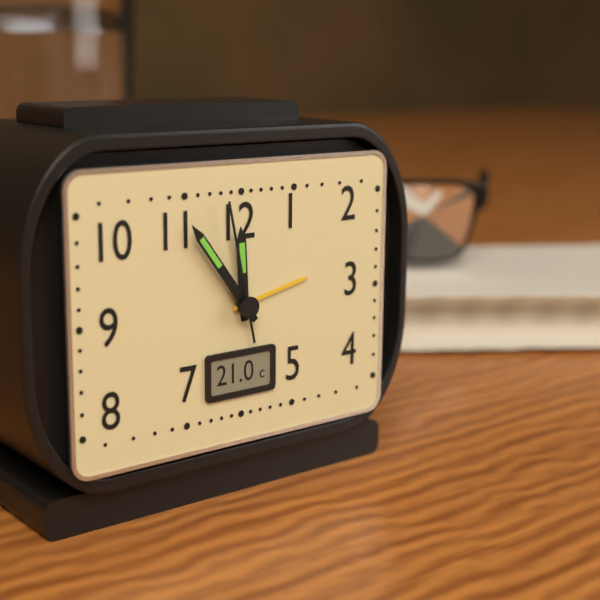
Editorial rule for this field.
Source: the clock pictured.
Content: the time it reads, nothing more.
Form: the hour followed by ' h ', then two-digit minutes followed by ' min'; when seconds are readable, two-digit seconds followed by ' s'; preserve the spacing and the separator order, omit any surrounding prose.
11 h 54 min 58 s
